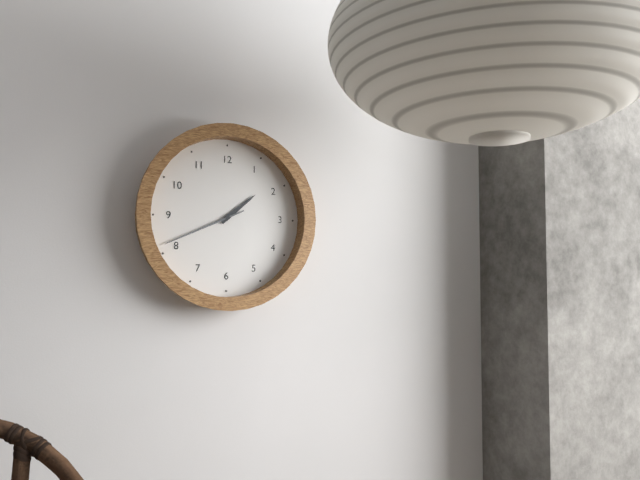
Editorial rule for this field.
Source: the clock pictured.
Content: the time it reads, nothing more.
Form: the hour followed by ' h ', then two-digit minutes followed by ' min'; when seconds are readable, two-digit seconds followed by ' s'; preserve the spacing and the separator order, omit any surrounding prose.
1 h 41 min
